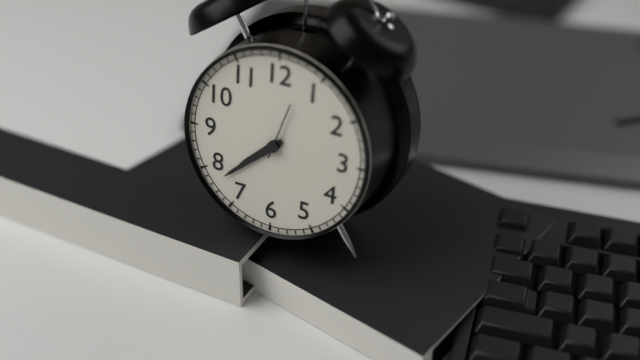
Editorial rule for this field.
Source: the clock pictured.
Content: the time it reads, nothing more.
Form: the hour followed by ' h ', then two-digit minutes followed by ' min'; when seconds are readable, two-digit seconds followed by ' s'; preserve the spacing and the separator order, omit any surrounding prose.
7 h 38 min
